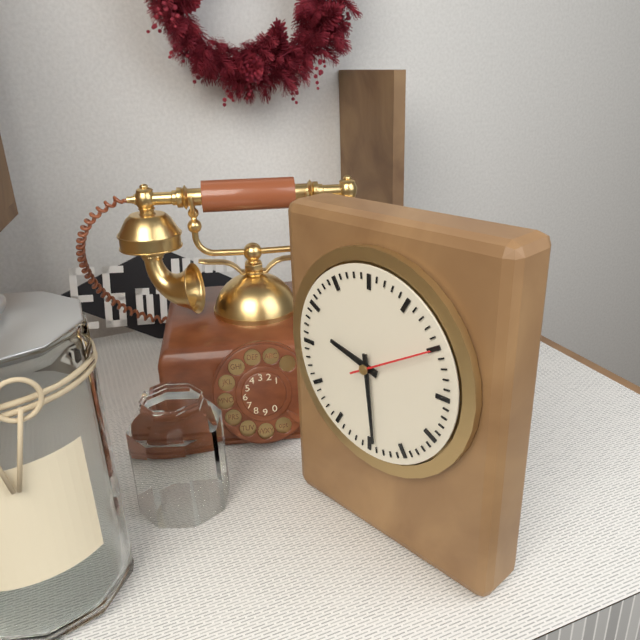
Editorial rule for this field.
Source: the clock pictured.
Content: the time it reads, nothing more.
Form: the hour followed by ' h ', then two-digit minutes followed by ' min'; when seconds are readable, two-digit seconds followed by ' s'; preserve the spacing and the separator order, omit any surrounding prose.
9 h 29 min 10 s
